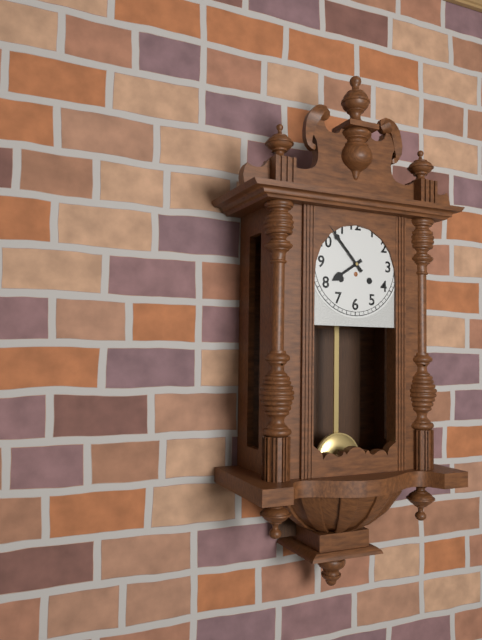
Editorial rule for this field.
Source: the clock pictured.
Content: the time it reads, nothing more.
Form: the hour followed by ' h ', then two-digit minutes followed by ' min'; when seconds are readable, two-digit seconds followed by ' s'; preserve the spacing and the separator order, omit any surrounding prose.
7 h 53 min
